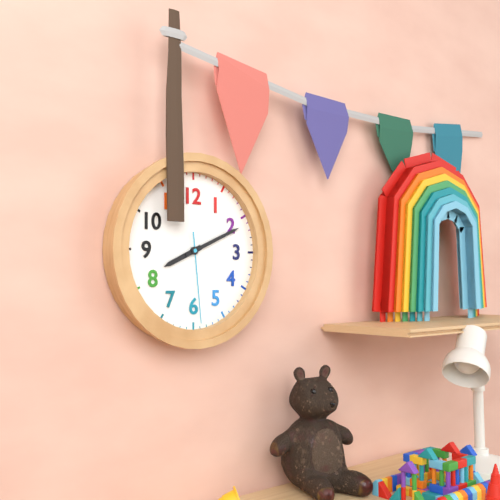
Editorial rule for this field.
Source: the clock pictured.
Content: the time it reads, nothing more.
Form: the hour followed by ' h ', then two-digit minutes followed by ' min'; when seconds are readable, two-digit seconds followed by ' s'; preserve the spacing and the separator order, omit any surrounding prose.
8 h 11 min 29 s
